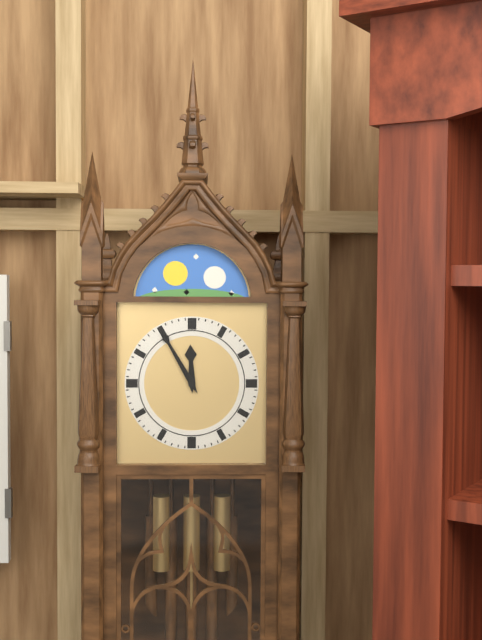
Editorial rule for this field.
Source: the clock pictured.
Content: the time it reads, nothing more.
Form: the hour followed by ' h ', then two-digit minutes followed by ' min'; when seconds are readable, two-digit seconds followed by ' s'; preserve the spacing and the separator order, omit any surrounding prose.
11 h 55 min
